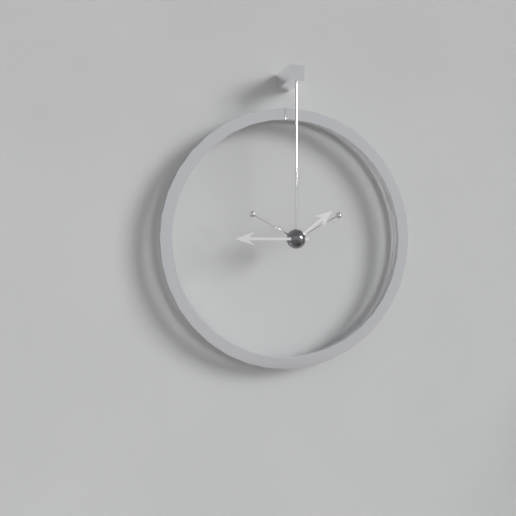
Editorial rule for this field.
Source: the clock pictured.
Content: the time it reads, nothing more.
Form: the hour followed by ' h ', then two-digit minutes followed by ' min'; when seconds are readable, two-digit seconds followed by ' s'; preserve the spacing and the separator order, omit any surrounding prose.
1 h 45 min
